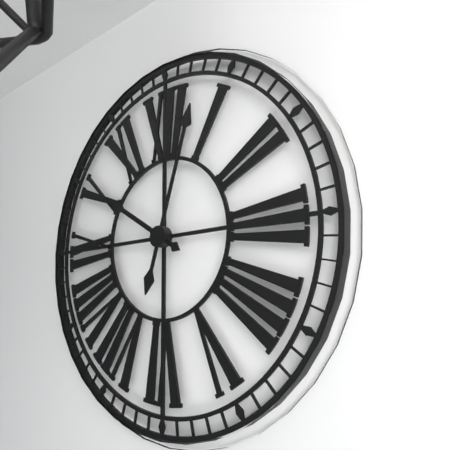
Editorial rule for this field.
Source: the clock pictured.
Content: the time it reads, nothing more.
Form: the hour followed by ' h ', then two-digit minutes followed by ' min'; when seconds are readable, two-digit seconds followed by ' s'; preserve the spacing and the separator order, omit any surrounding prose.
10 h 03 min
